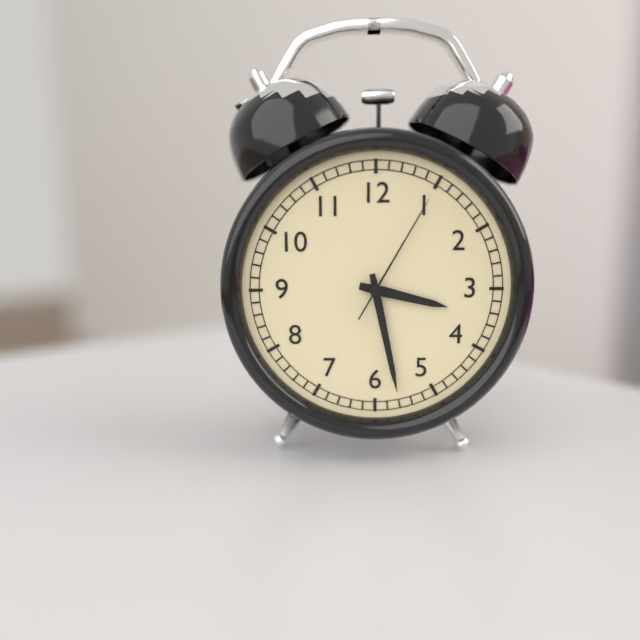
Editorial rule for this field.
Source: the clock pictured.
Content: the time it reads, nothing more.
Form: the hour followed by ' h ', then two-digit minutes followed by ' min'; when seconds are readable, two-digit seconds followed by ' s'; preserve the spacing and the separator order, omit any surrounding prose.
3 h 28 min 05 s
